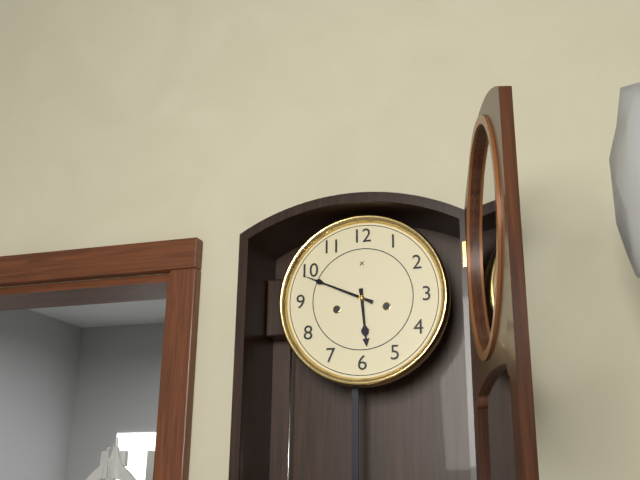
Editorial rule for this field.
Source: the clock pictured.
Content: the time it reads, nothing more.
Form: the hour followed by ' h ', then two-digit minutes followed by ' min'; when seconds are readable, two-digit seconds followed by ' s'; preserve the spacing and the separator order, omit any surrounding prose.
5 h 49 min
